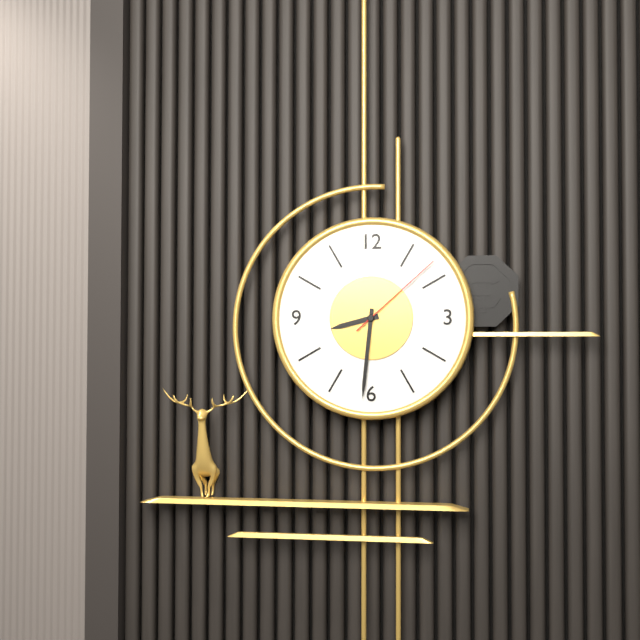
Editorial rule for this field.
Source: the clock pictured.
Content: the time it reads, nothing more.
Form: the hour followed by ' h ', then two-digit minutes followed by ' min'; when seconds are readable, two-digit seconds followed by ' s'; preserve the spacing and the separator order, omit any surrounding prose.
8 h 31 min 08 s
